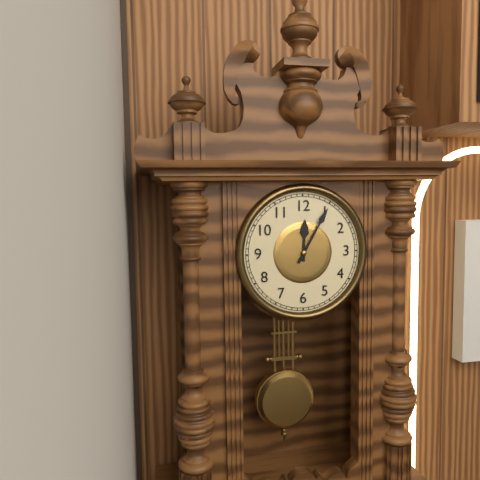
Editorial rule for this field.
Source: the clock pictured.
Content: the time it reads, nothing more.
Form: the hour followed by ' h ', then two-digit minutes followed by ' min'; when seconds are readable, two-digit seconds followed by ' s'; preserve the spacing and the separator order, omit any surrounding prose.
12 h 05 min
